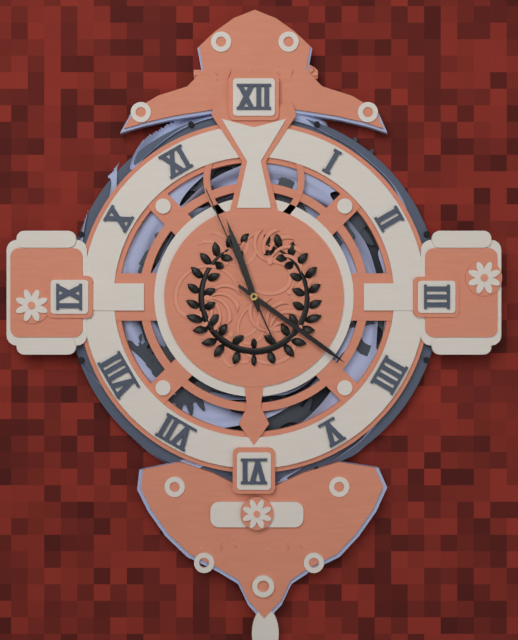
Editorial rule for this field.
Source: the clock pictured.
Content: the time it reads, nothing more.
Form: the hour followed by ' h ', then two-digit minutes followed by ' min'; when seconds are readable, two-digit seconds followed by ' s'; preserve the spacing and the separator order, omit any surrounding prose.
11 h 21 min 56 s
